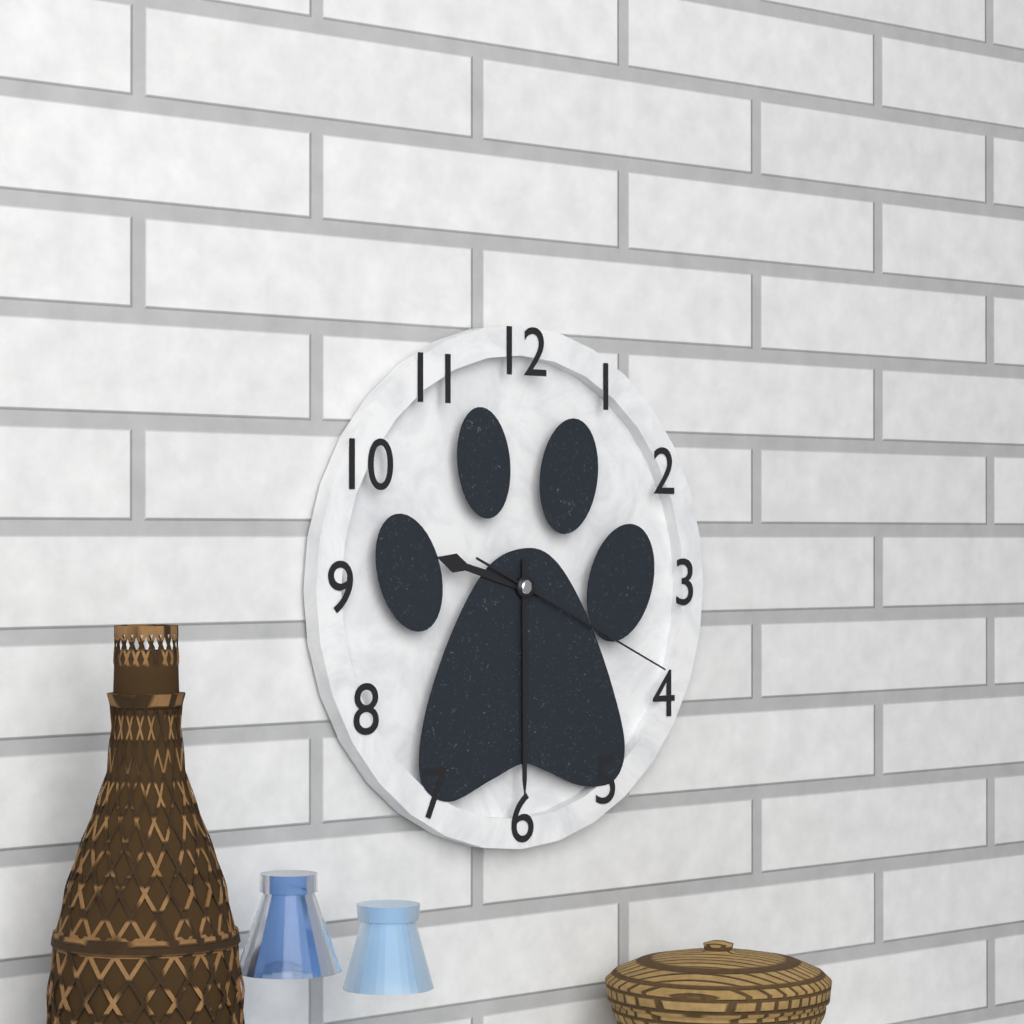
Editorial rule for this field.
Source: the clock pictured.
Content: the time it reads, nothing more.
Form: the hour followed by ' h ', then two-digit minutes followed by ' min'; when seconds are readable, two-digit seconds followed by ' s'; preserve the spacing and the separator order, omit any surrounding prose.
9 h 30 min 19 s
